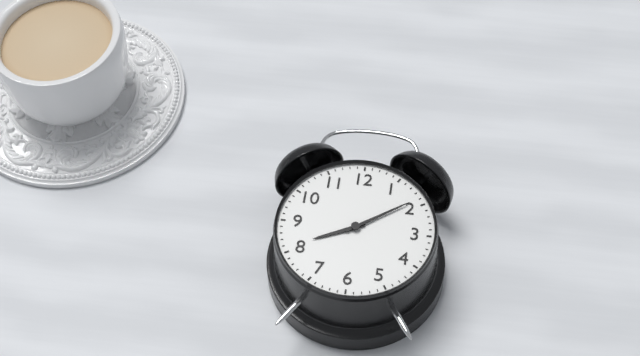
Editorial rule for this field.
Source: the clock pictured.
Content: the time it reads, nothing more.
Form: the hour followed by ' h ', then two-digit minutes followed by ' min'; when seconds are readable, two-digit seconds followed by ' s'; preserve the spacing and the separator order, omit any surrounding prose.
8 h 09 min
